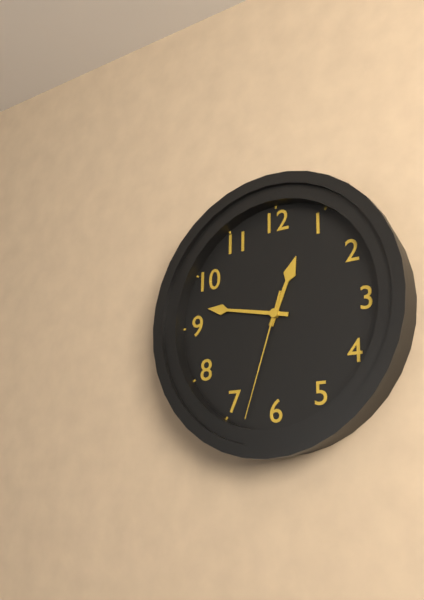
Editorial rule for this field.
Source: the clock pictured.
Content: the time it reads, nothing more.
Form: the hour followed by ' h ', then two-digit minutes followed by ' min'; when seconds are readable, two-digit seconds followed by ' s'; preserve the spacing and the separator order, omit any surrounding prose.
12 h 47 min 33 s
